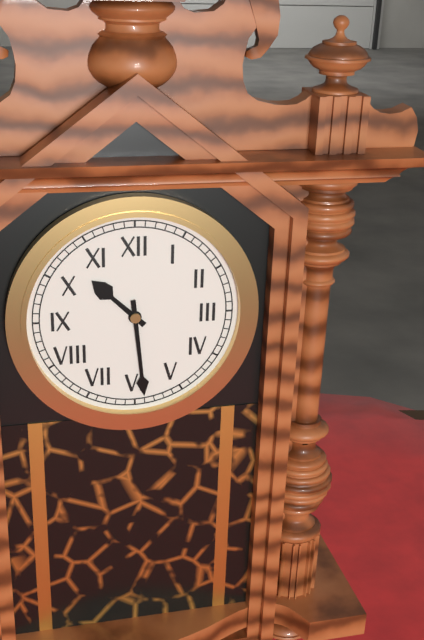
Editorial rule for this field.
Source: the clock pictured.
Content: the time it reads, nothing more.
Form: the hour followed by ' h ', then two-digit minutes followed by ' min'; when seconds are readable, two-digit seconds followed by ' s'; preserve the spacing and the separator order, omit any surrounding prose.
10 h 29 min
